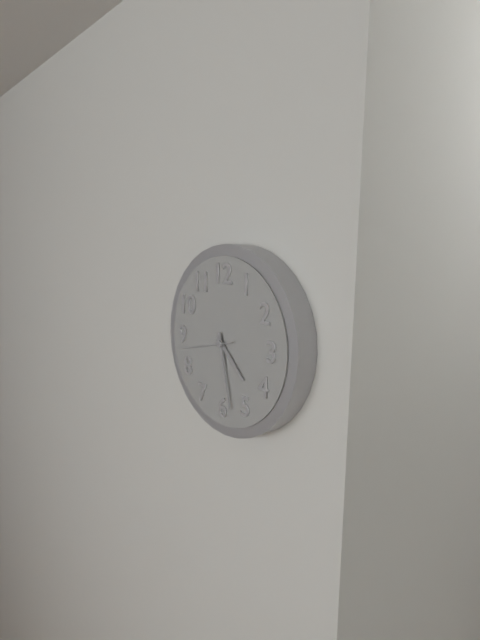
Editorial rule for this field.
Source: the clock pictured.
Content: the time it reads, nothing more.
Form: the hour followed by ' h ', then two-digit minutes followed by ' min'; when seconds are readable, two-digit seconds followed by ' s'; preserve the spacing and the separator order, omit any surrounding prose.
4 h 28 min
